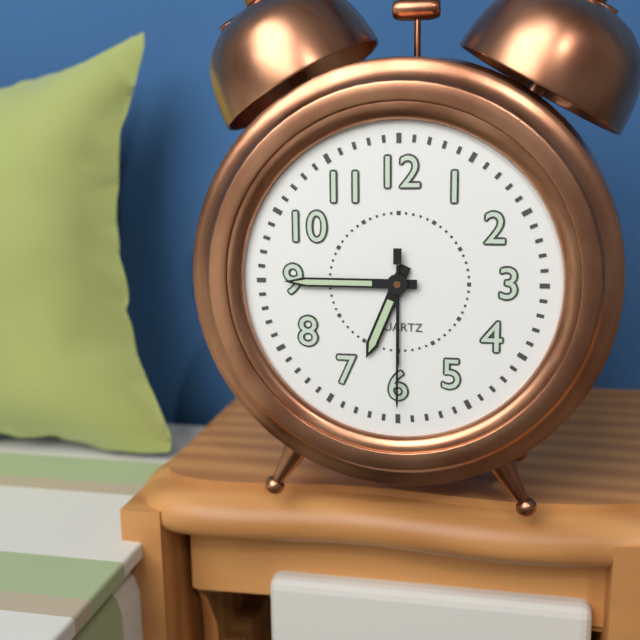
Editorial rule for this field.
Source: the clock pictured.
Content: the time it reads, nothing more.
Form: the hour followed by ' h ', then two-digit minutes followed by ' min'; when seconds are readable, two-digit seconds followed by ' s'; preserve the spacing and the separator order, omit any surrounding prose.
6 h 45 min 30 s
